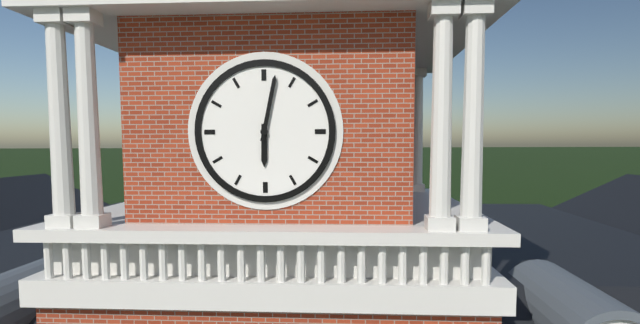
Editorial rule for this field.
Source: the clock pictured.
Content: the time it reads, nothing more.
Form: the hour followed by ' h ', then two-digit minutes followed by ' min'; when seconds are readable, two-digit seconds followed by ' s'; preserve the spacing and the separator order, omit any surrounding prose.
6 h 02 min
